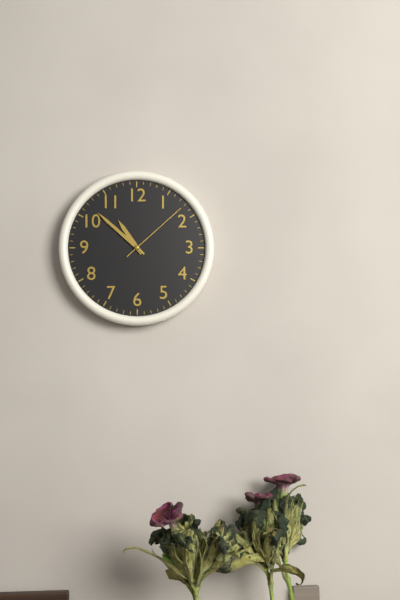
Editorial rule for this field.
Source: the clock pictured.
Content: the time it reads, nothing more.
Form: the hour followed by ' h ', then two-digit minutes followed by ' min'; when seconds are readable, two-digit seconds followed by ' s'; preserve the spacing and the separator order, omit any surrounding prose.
10 h 52 min 08 s
